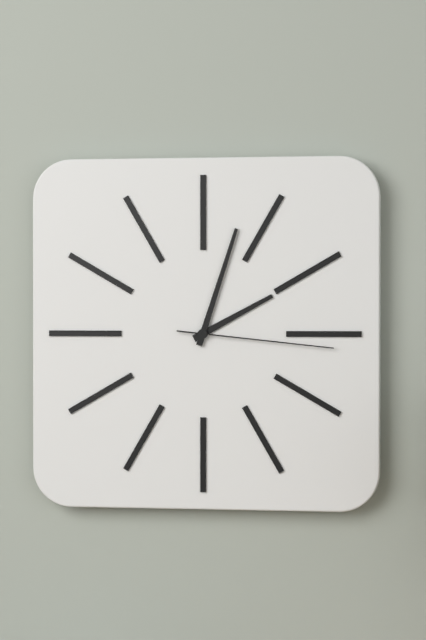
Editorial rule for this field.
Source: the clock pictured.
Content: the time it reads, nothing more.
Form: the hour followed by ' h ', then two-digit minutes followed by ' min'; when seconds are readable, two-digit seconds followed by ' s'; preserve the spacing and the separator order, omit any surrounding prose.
2 h 03 min 16 s
